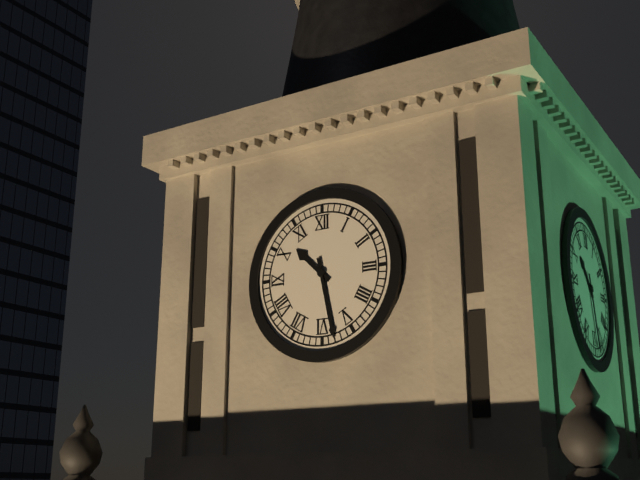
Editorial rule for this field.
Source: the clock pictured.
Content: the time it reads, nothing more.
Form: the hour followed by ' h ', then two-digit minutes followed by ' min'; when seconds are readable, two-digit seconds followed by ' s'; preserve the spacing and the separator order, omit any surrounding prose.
10 h 28 min
